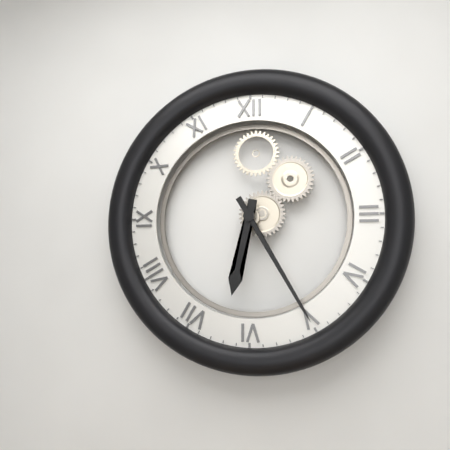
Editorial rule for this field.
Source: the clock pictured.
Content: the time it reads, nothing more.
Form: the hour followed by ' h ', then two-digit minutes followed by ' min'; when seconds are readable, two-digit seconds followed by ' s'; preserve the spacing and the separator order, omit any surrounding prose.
6 h 25 min
